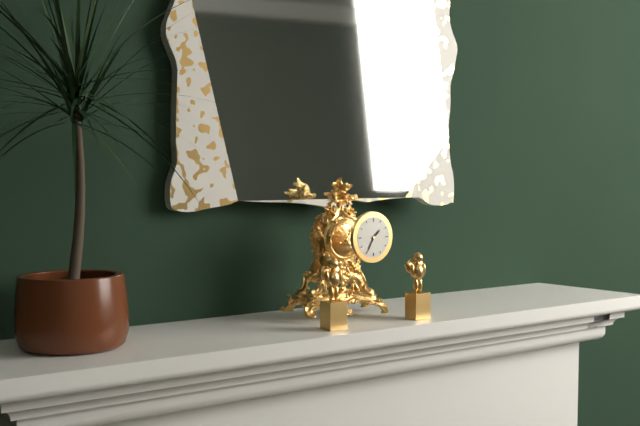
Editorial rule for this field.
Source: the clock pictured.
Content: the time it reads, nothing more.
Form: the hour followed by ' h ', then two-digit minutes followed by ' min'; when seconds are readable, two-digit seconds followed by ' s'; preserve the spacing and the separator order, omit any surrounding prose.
1 h 35 min
